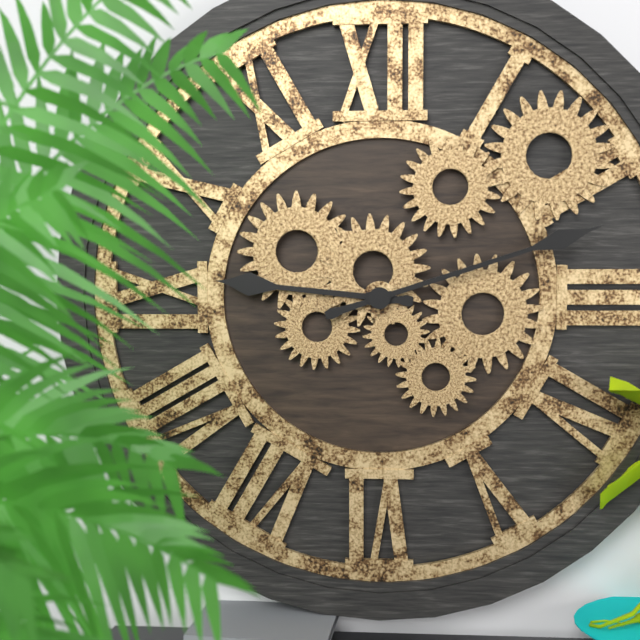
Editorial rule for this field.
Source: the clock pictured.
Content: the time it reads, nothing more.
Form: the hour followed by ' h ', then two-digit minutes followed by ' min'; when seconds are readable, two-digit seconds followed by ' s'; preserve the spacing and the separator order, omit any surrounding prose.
9 h 12 min
